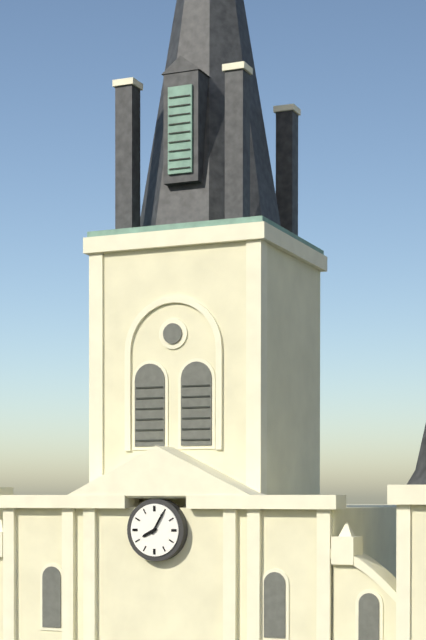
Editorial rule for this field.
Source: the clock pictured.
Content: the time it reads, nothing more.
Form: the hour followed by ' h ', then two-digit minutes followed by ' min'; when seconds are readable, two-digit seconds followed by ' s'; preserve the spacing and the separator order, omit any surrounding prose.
8 h 05 min
